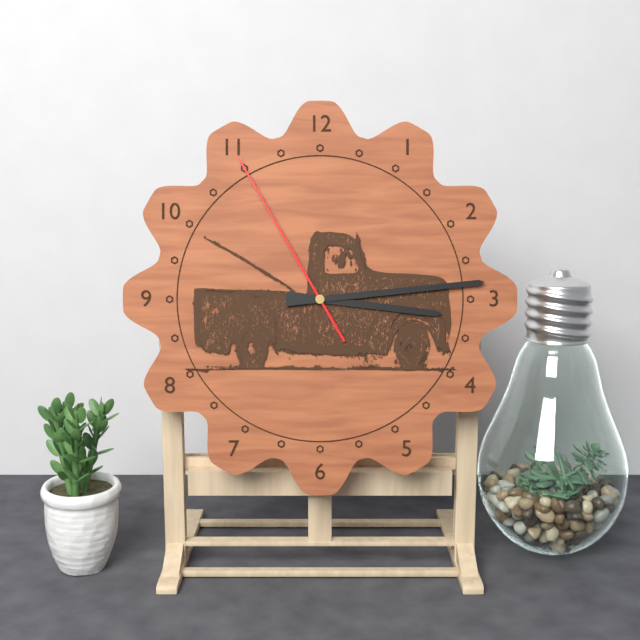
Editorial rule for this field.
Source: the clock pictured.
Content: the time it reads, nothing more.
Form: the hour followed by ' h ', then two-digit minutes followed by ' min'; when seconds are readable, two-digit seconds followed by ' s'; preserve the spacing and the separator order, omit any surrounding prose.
3 h 14 min 55 s
